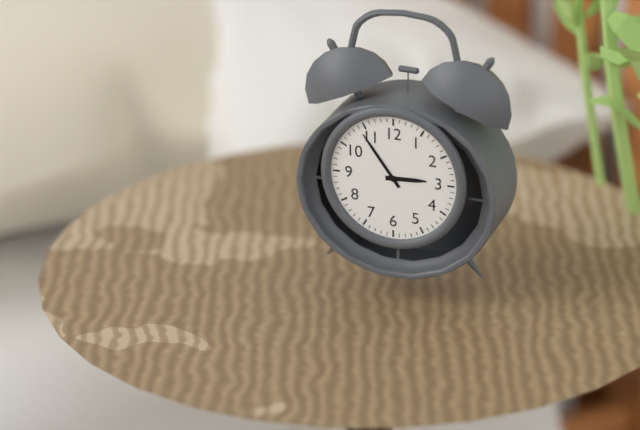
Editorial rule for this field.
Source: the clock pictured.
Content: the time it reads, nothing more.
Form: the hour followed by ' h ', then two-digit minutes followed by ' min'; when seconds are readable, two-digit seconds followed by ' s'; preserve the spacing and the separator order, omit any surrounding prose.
2 h 54 min
